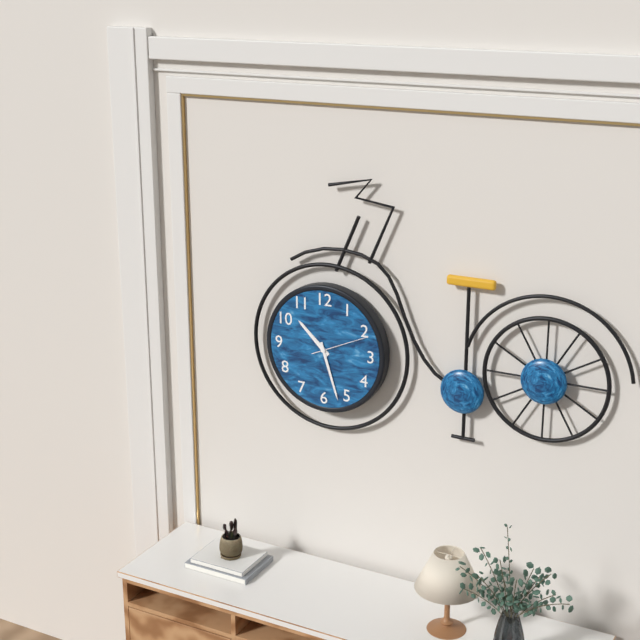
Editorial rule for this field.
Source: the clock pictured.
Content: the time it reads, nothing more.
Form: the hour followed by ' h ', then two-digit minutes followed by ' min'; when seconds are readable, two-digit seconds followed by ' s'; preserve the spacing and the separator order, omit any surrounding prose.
10 h 27 min 11 s
